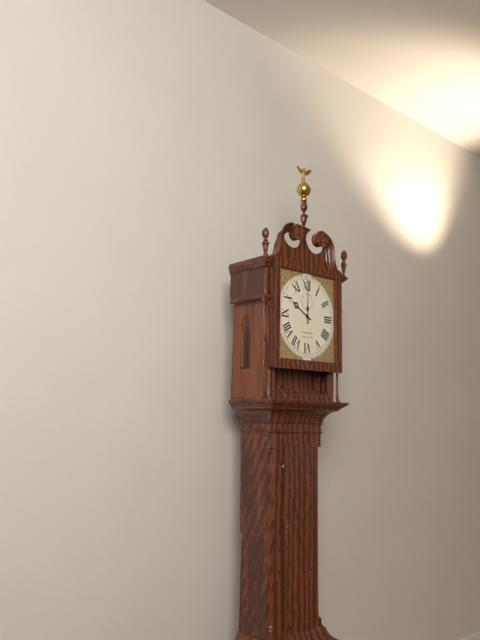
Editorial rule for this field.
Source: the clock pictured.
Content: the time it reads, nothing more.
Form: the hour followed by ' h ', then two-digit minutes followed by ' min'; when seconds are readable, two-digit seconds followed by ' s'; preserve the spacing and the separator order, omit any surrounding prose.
10 h 00 min
